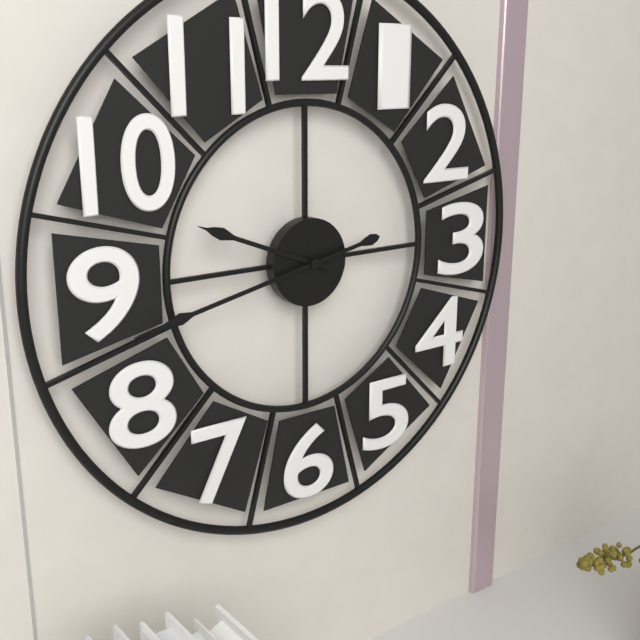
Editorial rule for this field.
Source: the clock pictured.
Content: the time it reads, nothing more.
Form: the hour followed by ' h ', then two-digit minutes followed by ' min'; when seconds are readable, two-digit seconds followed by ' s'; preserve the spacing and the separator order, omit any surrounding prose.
9 h 43 min
